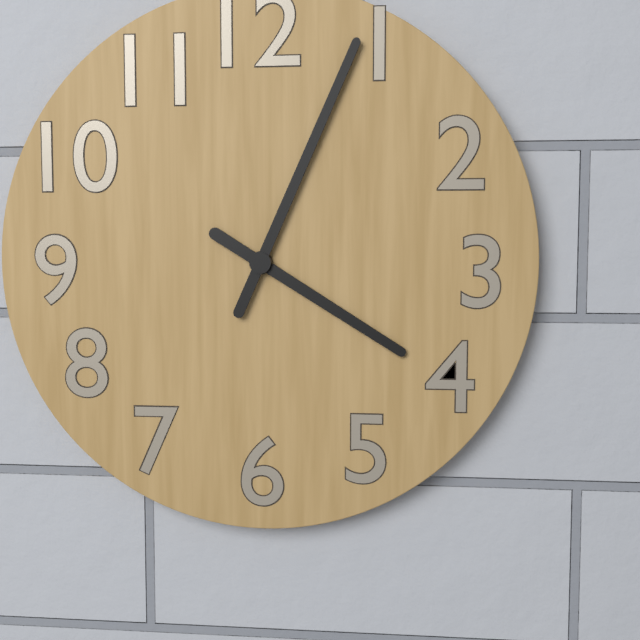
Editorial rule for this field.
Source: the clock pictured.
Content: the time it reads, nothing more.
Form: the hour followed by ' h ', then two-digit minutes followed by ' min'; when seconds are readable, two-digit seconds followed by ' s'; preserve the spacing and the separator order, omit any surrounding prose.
4 h 04 min
